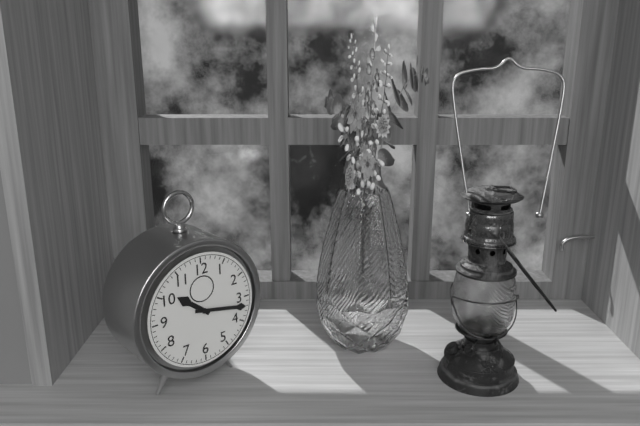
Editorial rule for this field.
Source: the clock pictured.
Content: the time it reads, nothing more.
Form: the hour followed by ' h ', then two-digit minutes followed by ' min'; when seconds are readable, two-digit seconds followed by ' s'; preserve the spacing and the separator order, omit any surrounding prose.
10 h 17 min
